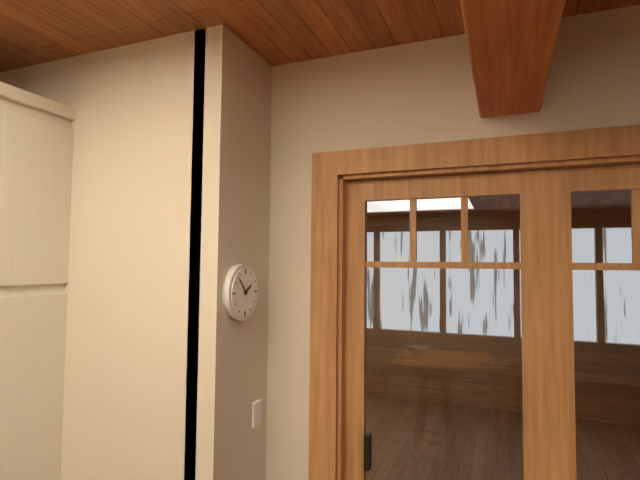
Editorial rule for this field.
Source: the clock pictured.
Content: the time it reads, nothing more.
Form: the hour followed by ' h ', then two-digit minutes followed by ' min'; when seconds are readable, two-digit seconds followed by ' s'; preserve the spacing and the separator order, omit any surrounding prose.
1 h 53 min
